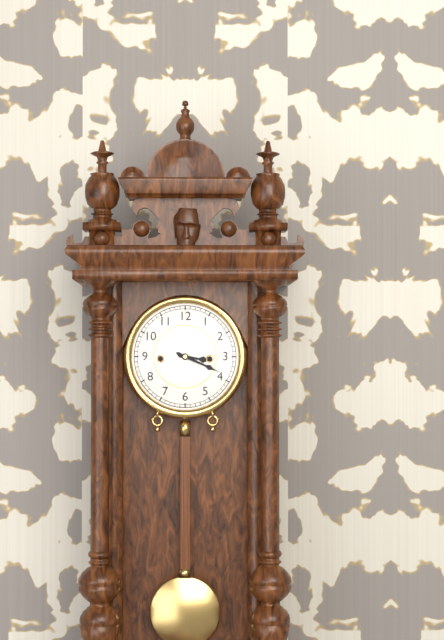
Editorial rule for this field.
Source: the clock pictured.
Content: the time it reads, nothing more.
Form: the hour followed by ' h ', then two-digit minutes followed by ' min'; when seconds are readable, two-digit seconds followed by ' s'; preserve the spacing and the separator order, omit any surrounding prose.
3 h 19 min
